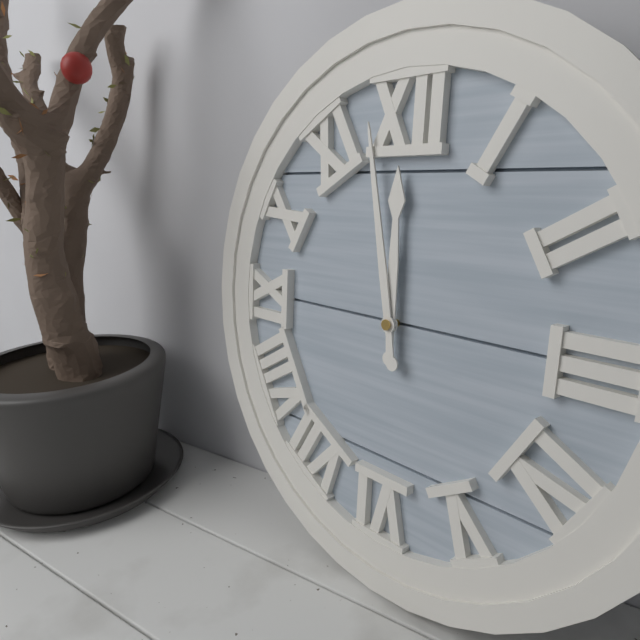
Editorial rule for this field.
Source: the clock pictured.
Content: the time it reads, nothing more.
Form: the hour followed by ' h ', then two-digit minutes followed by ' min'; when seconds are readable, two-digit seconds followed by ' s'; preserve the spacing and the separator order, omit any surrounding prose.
11 h 58 min
